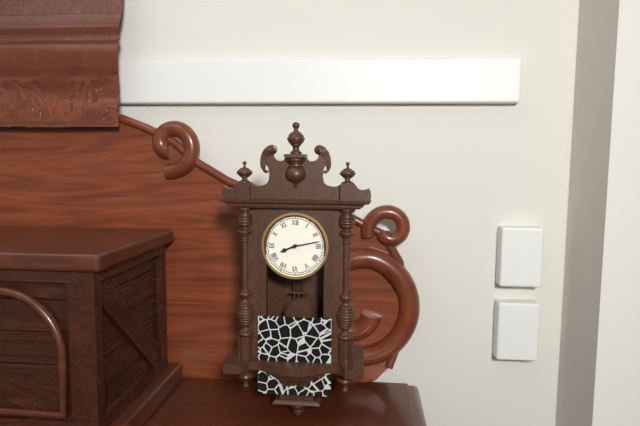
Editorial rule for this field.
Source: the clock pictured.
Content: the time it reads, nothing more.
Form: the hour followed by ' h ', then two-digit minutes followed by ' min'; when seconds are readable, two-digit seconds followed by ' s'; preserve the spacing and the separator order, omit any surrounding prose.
8 h 13 min
